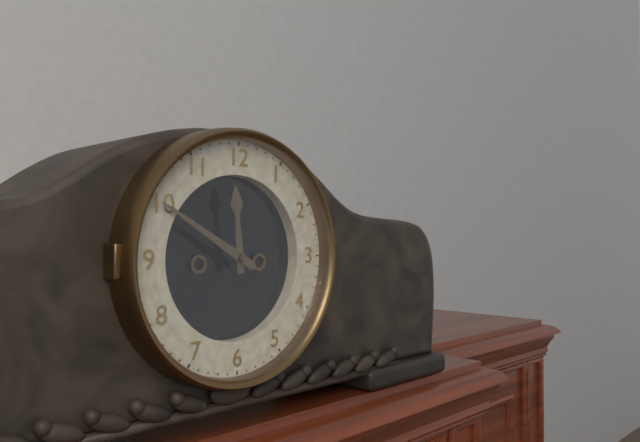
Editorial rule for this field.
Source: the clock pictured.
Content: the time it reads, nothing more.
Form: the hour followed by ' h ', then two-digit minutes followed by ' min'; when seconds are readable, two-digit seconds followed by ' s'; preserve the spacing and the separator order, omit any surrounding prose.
11 h 50 min
